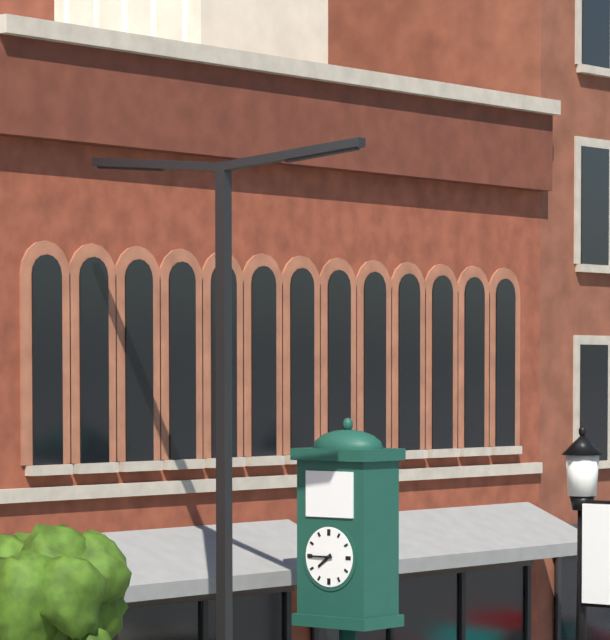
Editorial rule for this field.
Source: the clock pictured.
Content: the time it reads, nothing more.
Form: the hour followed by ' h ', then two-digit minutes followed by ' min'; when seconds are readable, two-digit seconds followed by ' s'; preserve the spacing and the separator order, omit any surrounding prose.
7 h 45 min
